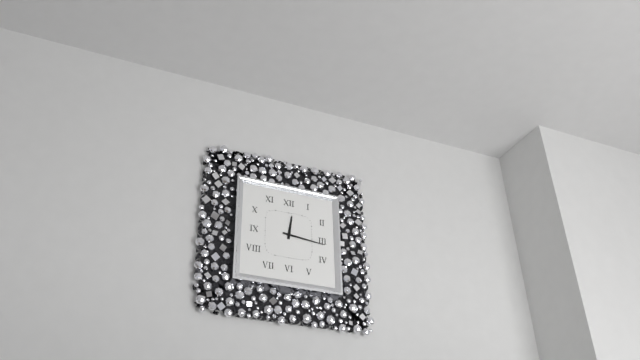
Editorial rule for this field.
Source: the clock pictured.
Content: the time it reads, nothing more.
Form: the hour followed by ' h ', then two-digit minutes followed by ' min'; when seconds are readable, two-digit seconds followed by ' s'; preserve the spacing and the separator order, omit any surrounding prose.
12 h 16 min
